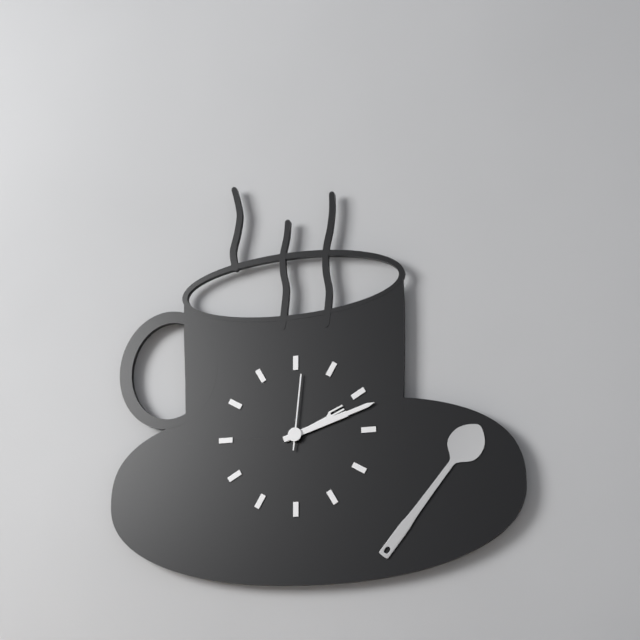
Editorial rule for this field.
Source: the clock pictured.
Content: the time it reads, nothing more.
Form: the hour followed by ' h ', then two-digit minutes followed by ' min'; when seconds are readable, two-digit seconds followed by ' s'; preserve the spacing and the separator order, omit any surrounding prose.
2 h 12 min 01 s
